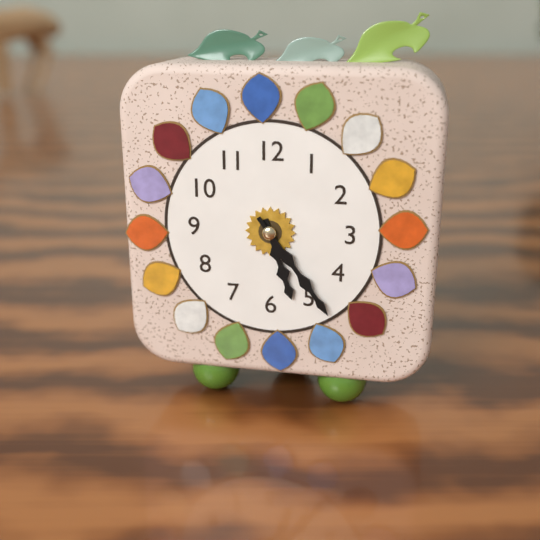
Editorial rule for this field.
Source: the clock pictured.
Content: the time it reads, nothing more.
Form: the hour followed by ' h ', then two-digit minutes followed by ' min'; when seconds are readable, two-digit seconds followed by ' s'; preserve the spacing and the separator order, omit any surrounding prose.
5 h 24 min
